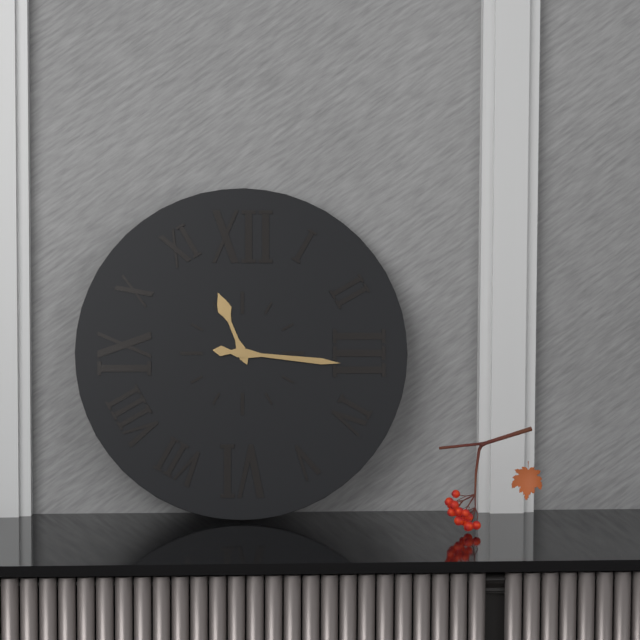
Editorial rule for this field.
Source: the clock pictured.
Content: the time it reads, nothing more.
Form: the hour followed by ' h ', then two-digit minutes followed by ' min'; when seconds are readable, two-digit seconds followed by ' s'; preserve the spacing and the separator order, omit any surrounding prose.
11 h 16 min
